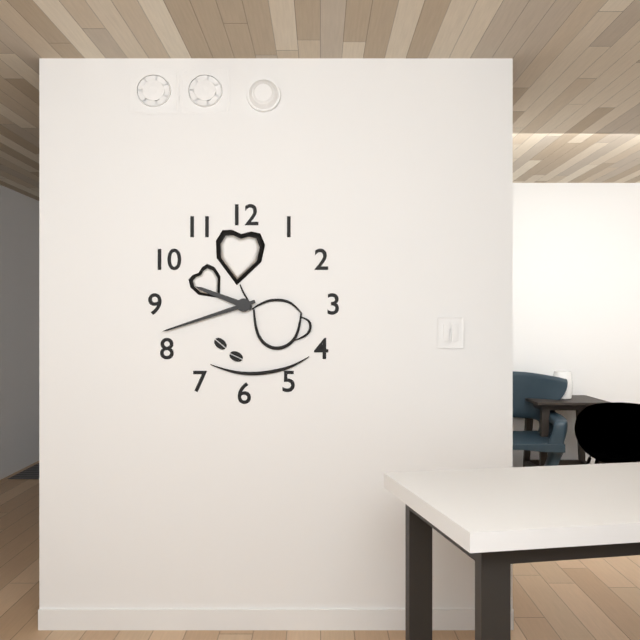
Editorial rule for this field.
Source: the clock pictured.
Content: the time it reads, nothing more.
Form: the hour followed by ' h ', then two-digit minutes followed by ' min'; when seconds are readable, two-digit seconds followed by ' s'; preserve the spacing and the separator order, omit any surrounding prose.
9 h 42 min
